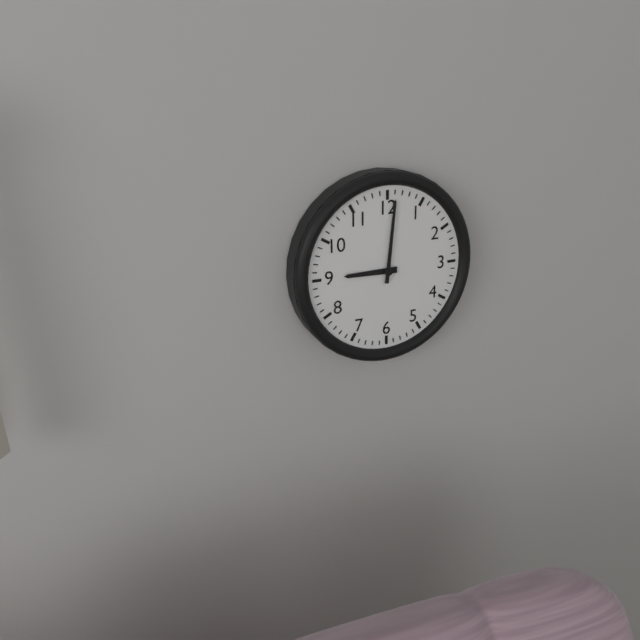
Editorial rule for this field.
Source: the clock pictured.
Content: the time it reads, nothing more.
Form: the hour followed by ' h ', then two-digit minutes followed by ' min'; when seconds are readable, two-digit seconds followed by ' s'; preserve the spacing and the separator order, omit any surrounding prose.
9 h 01 min
